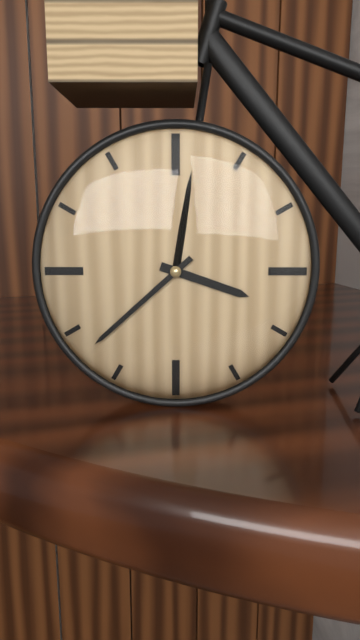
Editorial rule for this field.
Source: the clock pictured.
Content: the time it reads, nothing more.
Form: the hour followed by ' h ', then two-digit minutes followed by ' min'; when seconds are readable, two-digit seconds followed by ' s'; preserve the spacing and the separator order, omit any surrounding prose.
3 h 38 min
